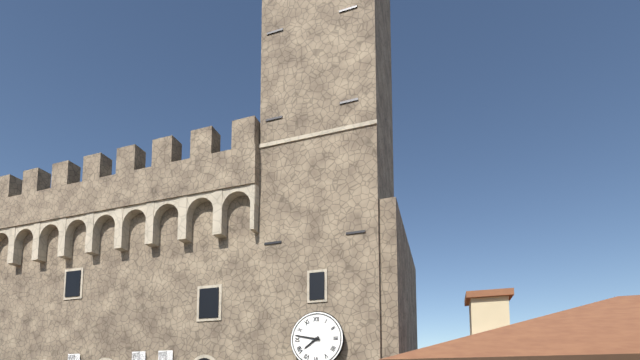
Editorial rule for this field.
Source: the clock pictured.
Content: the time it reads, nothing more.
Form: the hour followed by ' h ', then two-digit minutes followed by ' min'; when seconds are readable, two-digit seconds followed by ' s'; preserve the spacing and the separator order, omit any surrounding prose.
7 h 47 min
